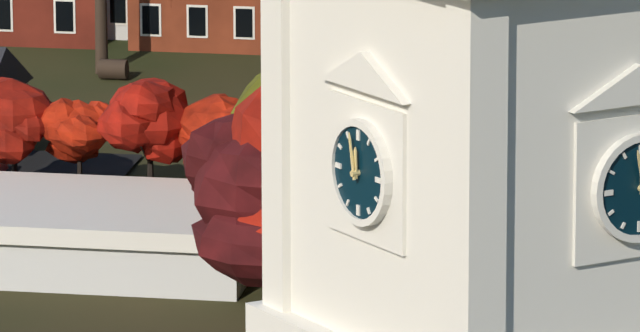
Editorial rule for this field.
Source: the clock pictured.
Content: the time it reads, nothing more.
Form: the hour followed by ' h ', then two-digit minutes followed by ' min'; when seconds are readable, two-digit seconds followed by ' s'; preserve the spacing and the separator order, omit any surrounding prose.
11 h 58 min
